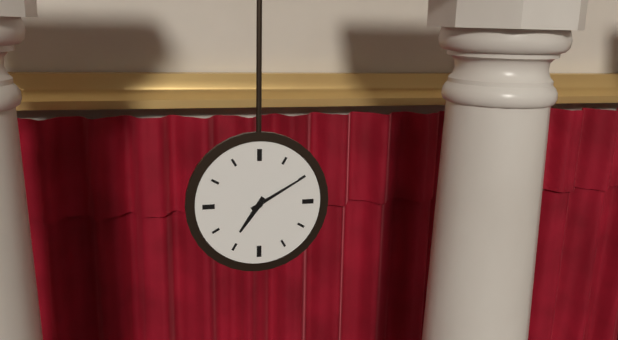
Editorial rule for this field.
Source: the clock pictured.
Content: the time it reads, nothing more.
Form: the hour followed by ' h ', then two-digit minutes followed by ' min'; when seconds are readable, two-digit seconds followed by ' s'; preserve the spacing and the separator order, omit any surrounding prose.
7 h 10 min
